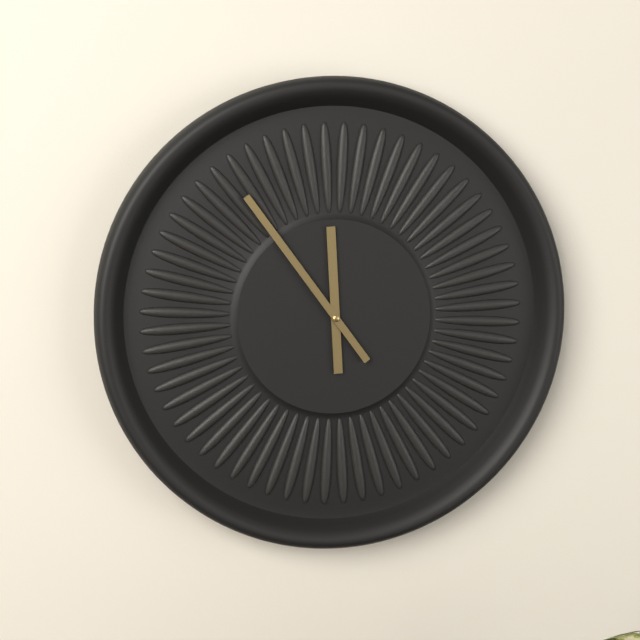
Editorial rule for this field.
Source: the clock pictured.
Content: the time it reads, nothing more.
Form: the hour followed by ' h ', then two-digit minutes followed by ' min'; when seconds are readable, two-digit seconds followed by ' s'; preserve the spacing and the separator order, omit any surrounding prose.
11 h 54 min
